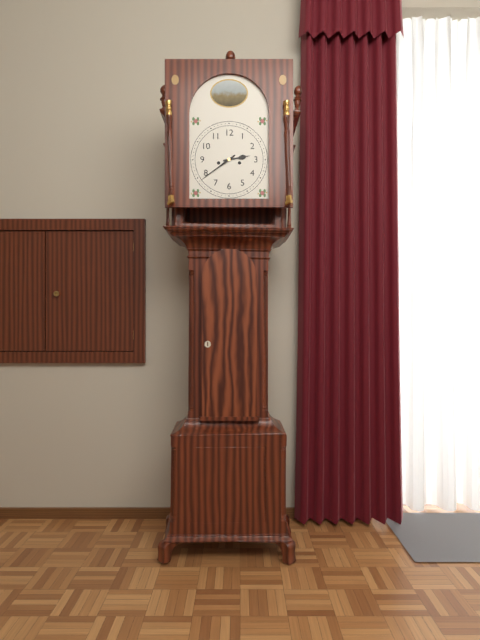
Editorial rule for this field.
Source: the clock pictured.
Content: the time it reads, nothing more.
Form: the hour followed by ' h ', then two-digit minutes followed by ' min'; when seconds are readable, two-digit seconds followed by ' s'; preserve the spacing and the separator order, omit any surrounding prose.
2 h 39 min
